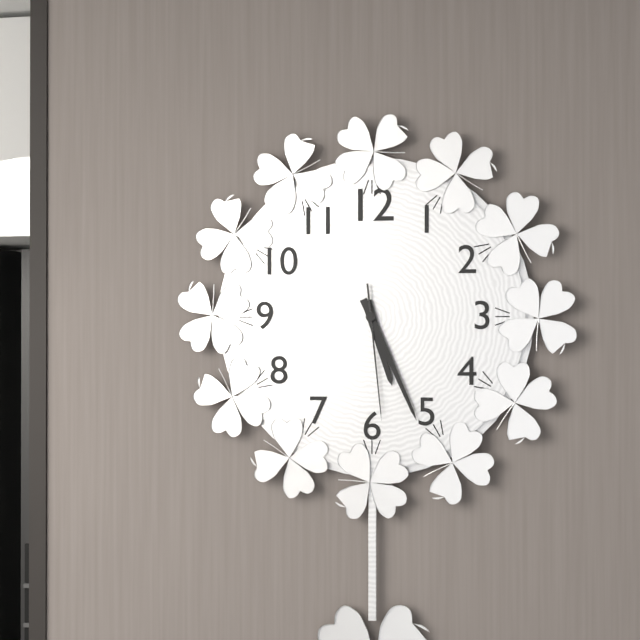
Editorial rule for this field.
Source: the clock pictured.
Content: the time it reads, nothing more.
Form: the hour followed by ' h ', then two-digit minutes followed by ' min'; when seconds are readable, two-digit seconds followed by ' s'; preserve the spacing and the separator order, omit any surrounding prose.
5 h 26 min 29 s
